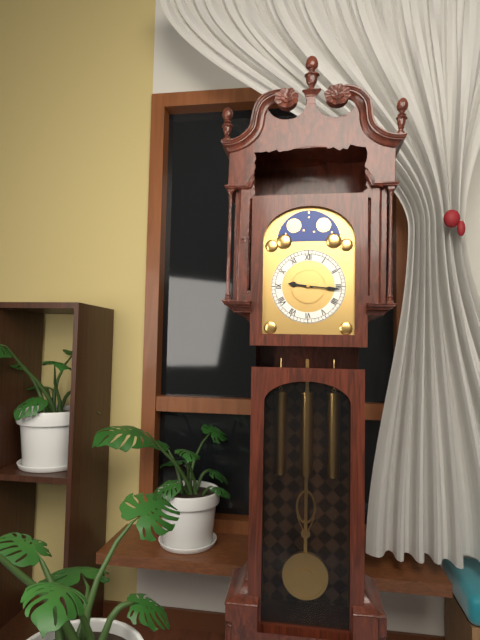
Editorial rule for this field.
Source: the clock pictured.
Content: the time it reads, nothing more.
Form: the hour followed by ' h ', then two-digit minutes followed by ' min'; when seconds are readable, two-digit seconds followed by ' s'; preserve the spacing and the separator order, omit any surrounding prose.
9 h 16 min
